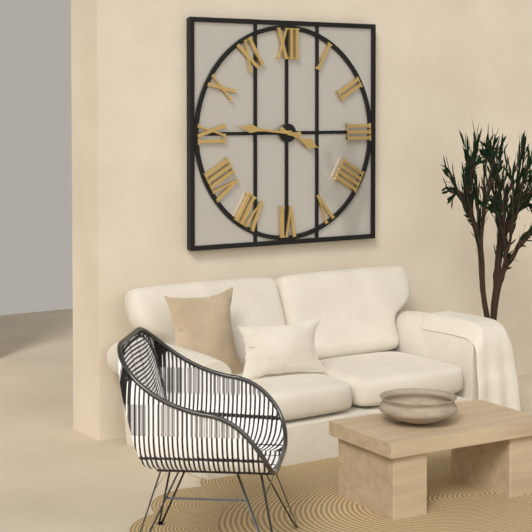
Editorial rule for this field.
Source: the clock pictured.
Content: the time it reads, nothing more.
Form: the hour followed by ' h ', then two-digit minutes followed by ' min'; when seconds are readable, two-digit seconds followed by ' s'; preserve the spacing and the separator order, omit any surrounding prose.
3 h 46 min
